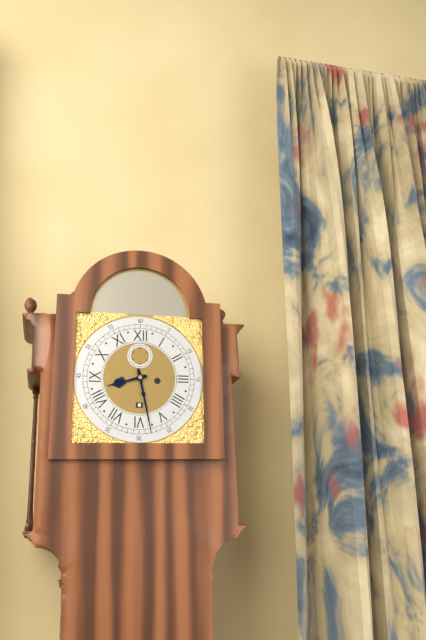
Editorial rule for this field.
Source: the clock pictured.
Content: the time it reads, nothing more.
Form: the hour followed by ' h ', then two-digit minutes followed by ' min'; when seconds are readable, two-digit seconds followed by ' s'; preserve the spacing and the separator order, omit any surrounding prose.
8 h 28 min
